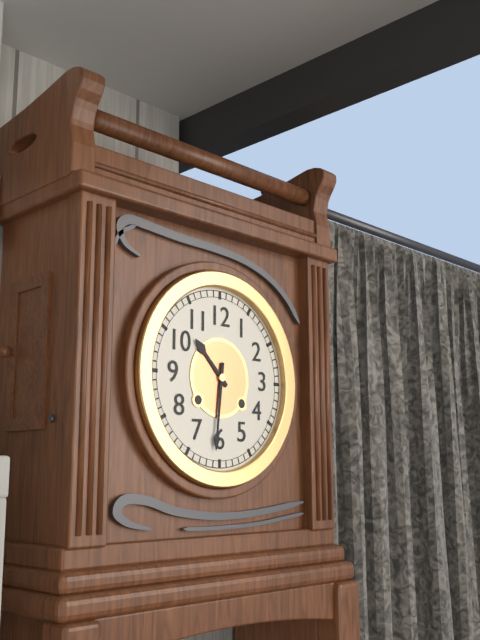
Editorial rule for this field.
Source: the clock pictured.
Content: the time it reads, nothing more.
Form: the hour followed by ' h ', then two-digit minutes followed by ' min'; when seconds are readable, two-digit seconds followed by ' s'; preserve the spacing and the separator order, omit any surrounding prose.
10 h 31 min
